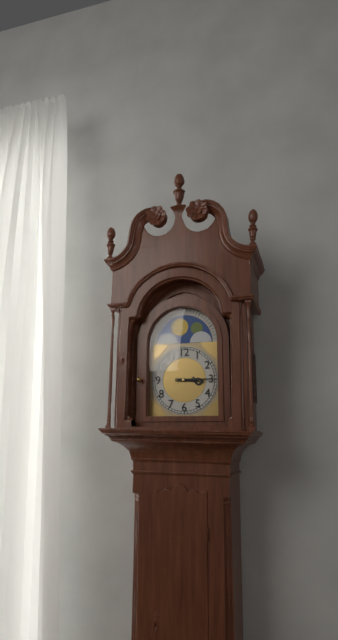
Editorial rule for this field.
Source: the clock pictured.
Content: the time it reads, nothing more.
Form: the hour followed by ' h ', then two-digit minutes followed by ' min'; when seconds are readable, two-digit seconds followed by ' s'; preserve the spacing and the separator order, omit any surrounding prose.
3 h 15 min
